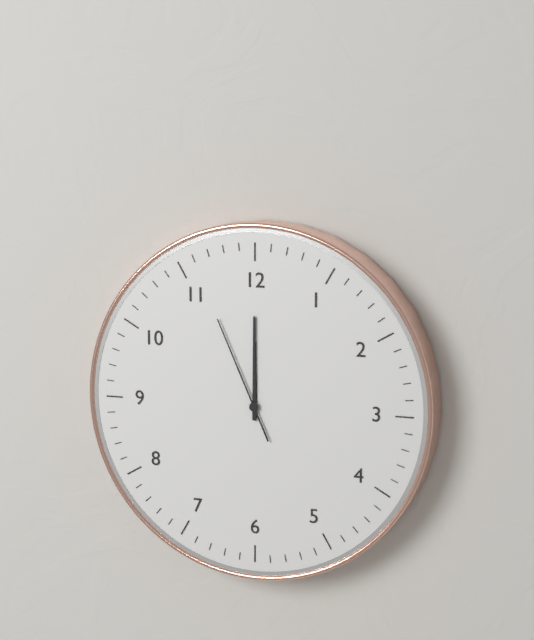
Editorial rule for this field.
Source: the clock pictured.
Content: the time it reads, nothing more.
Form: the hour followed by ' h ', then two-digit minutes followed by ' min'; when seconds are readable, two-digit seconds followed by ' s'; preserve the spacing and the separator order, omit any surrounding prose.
12 h 00 min 56 s
